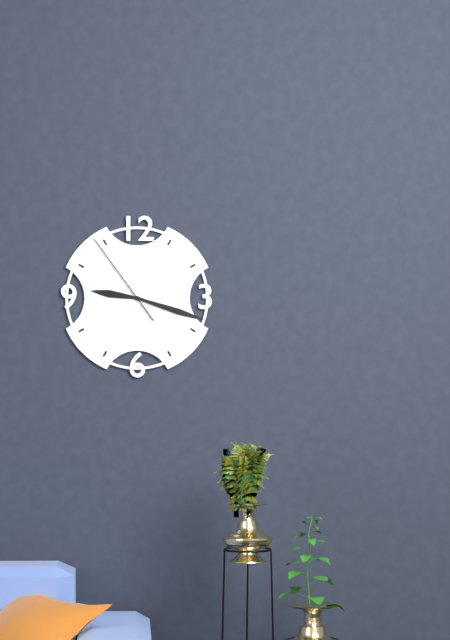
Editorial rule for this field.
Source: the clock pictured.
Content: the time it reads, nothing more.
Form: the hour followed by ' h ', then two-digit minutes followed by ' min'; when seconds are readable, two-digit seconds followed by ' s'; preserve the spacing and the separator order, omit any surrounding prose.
9 h 18 min 54 s
